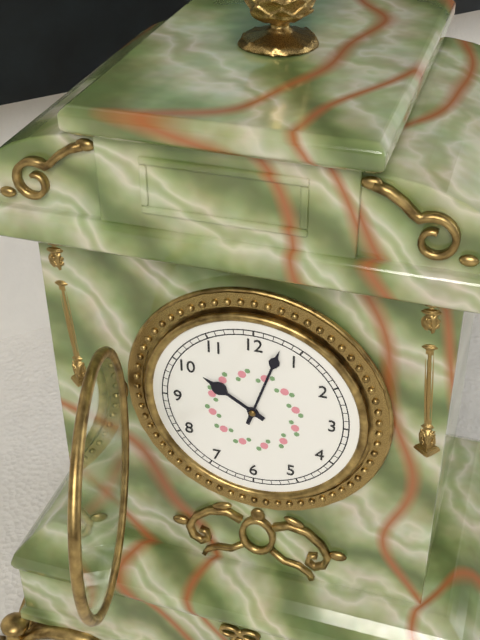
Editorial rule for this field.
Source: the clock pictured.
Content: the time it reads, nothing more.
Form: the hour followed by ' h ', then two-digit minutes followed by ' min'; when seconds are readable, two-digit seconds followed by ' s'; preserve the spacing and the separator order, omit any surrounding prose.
10 h 03 min
